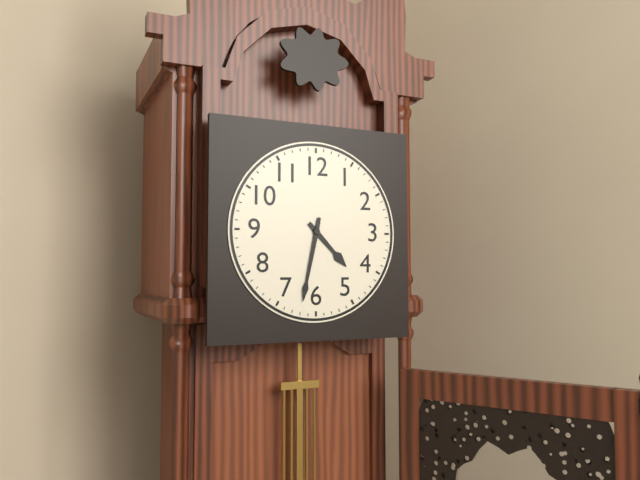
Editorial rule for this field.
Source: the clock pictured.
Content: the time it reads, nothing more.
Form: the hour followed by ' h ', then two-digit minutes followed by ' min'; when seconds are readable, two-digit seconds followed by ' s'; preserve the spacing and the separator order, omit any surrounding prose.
4 h 32 min
